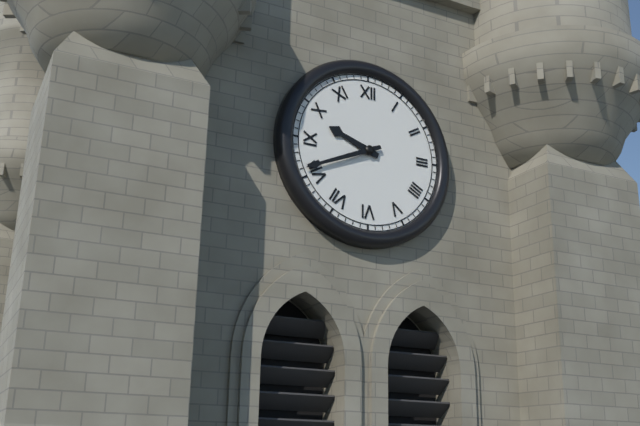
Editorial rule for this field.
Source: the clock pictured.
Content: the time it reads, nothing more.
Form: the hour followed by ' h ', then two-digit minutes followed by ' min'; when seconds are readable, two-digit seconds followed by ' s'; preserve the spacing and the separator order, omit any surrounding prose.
9 h 41 min
